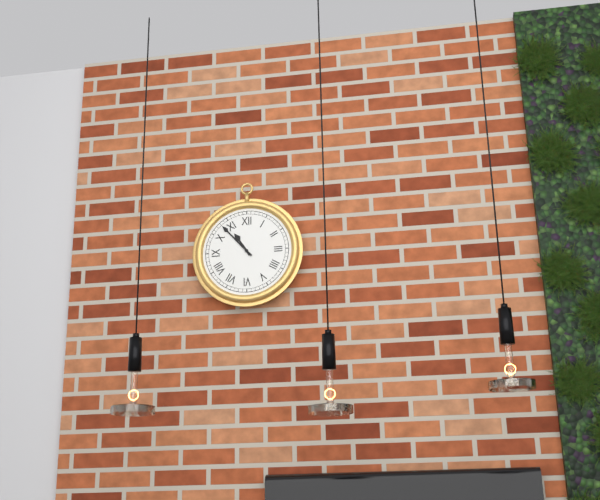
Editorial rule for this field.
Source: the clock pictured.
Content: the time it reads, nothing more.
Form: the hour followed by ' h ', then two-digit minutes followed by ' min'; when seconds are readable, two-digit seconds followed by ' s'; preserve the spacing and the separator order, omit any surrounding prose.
10 h 53 min
